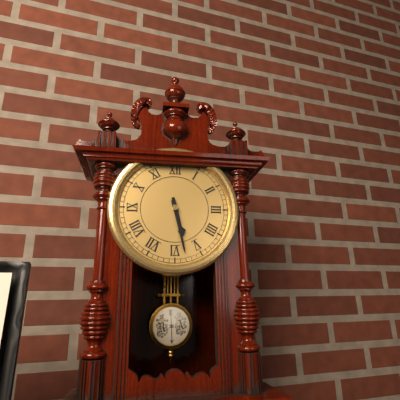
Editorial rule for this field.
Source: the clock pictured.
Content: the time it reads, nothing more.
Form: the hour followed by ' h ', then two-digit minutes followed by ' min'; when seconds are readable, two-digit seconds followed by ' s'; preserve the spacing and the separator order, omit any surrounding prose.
5 h 28 min
